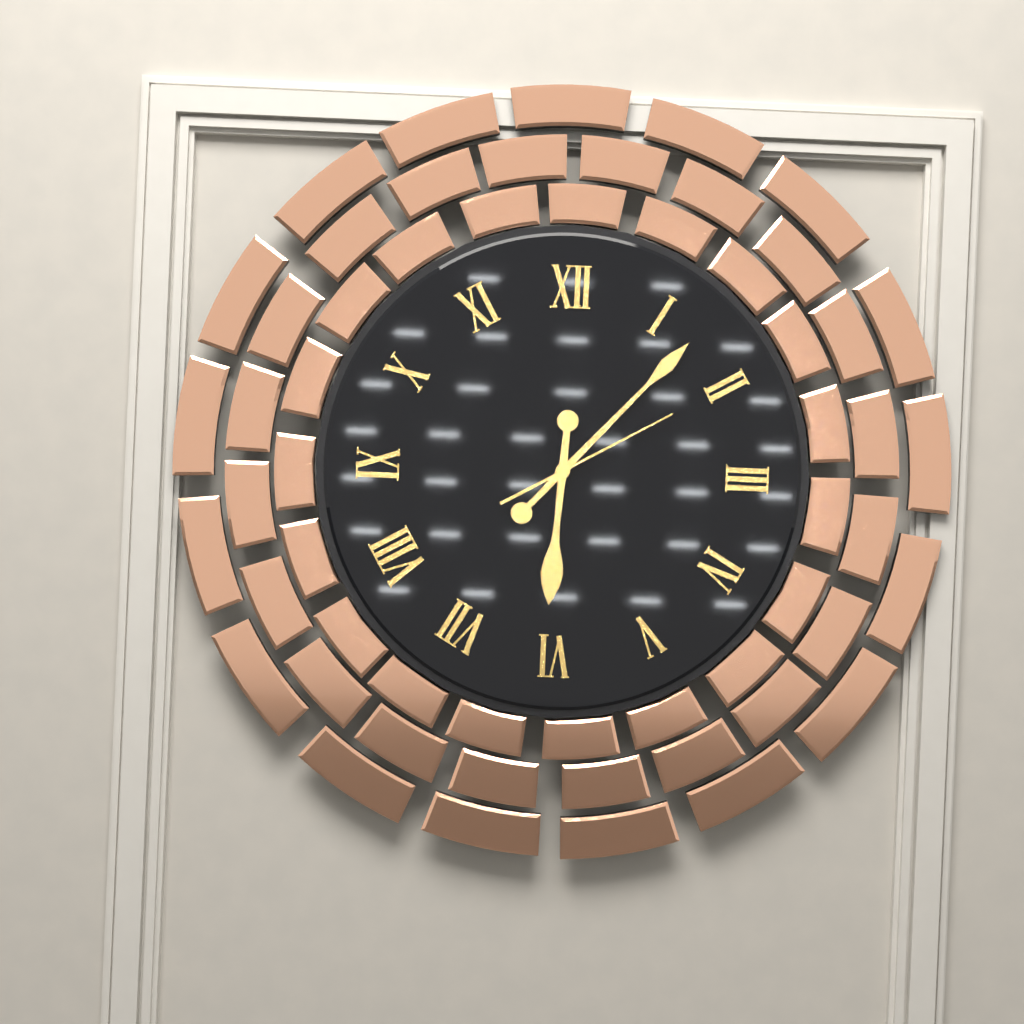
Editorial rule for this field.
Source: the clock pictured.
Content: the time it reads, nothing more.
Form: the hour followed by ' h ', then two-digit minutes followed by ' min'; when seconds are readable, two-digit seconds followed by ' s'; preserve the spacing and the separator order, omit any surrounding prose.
6 h 07 min 10 s
